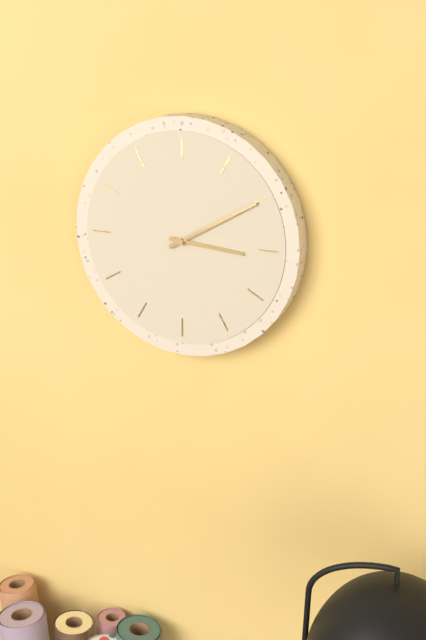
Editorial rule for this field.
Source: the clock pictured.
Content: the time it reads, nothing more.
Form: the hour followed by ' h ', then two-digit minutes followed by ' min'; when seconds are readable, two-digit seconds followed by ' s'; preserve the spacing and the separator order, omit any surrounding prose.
3 h 10 min
